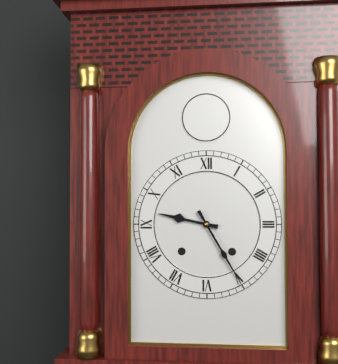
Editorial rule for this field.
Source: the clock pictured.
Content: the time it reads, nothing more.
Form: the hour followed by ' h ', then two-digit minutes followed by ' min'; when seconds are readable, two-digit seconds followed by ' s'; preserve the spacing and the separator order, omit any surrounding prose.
9 h 25 min
